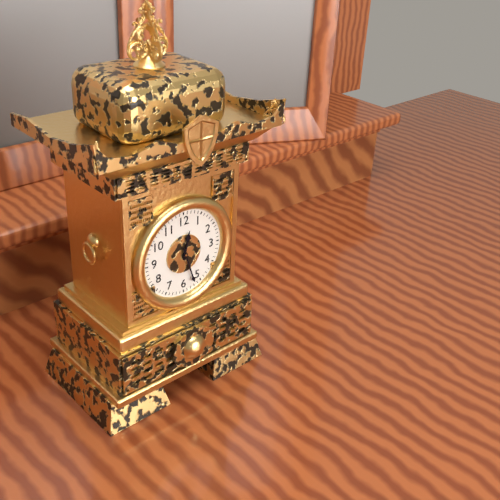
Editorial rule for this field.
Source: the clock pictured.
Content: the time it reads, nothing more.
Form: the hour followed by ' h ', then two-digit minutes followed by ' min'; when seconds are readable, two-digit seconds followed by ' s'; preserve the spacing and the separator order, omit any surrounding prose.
12 h 27 min
